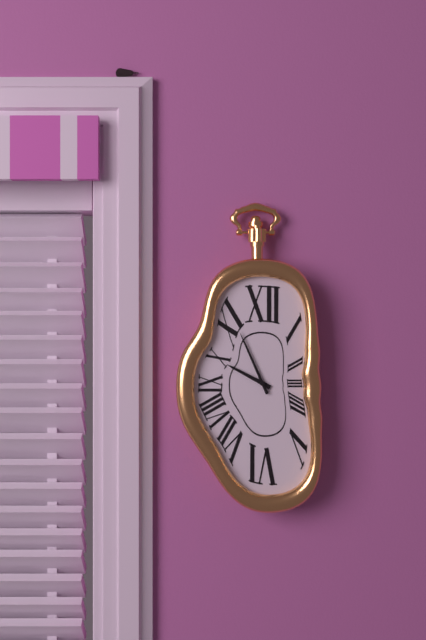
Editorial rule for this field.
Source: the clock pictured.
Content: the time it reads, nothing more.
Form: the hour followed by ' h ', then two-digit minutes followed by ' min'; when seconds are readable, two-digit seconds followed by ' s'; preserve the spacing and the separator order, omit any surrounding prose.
9 h 56 min
